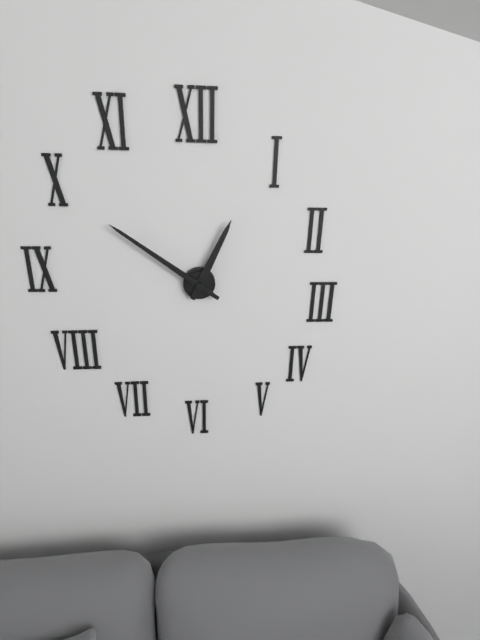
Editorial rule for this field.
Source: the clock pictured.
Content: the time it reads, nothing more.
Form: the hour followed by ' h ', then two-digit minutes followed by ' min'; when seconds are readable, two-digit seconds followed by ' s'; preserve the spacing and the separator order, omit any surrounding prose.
12 h 51 min
